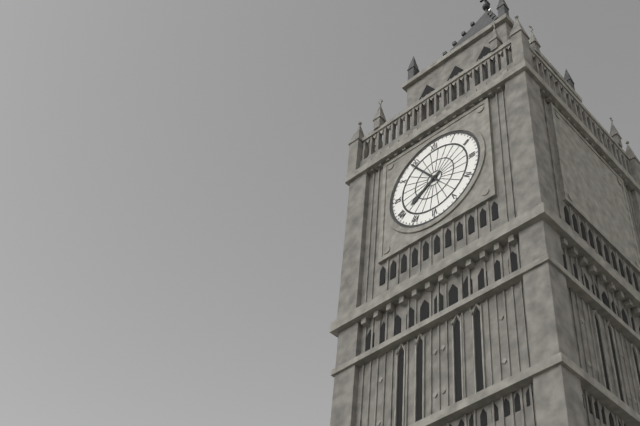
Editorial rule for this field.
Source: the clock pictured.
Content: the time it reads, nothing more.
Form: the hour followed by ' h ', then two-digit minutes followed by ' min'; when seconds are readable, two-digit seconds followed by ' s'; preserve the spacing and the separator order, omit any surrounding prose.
7 h 54 min
